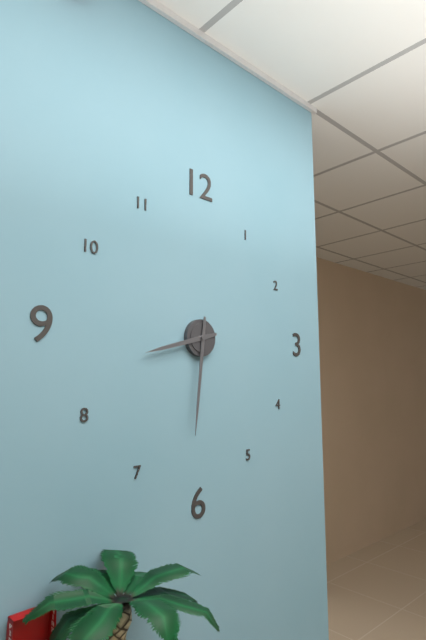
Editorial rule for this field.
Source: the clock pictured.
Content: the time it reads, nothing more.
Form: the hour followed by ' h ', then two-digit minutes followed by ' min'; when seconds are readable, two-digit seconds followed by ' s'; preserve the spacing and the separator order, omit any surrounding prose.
8 h 31 min
